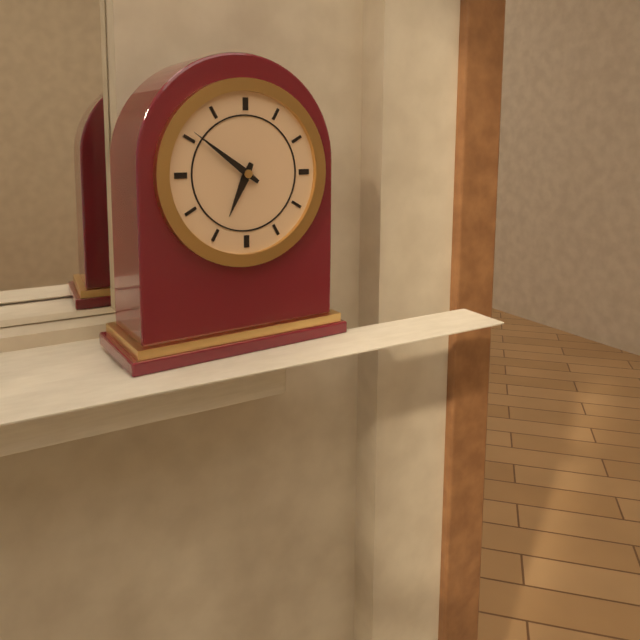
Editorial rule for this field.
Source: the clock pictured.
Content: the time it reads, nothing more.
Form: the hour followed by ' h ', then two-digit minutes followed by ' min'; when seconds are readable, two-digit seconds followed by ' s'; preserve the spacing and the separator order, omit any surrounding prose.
6 h 51 min
